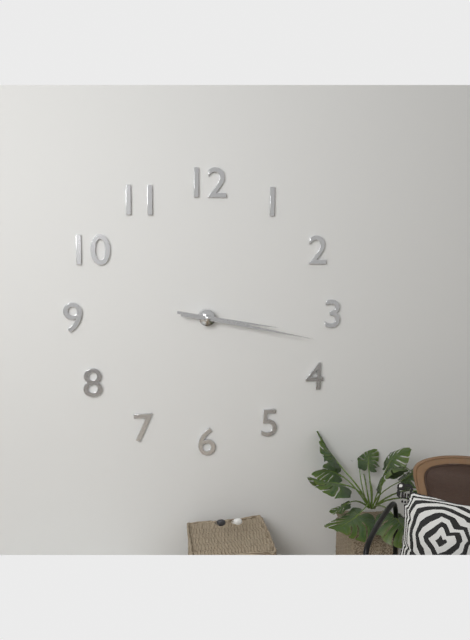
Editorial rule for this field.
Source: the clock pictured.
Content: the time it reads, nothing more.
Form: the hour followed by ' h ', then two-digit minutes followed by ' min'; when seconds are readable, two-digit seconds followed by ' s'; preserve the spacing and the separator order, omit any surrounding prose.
3 h 17 min
